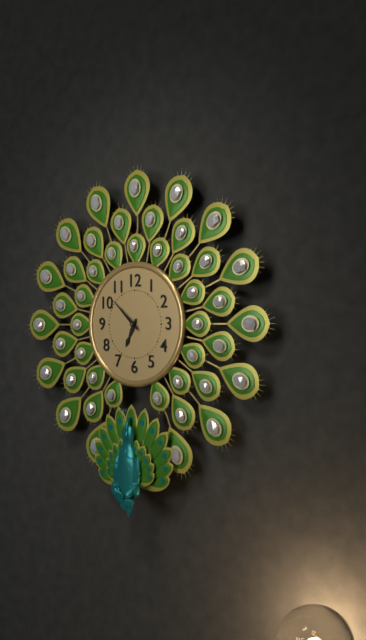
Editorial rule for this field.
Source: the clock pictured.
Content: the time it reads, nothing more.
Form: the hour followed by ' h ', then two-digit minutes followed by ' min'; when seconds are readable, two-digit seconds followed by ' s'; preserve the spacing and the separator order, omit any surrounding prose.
6 h 52 min
